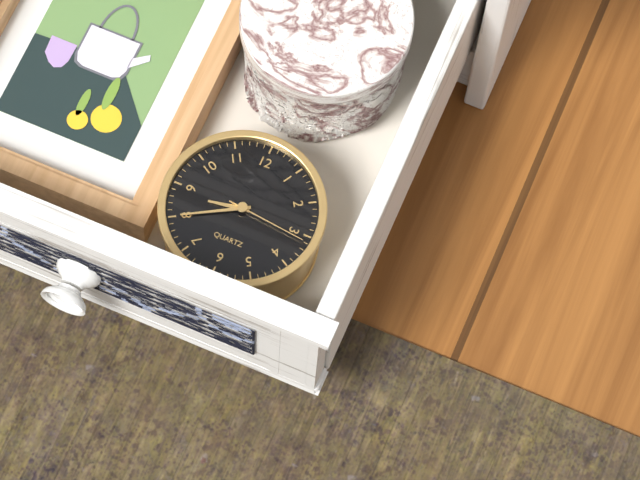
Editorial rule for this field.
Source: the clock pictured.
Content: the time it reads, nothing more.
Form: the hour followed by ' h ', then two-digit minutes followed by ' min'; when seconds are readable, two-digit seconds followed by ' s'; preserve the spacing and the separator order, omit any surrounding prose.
8 h 40 min 16 s
